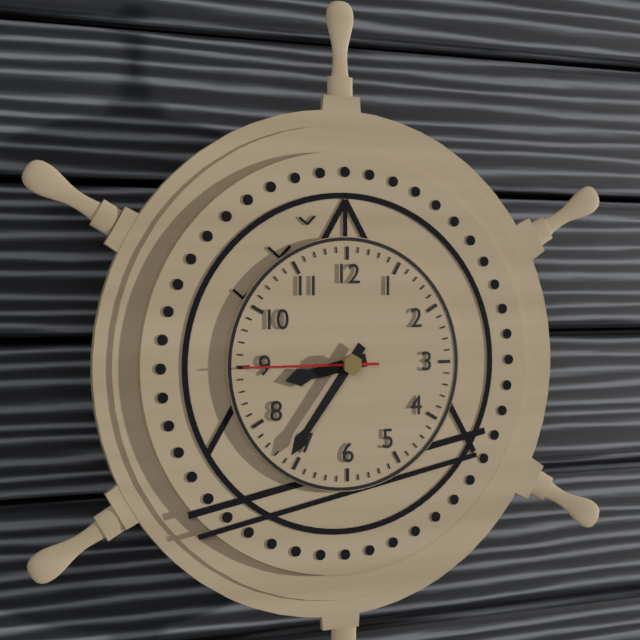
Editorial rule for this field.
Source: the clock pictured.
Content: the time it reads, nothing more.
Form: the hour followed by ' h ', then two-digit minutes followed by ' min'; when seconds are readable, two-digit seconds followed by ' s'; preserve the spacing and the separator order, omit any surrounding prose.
8 h 36 min 45 s
